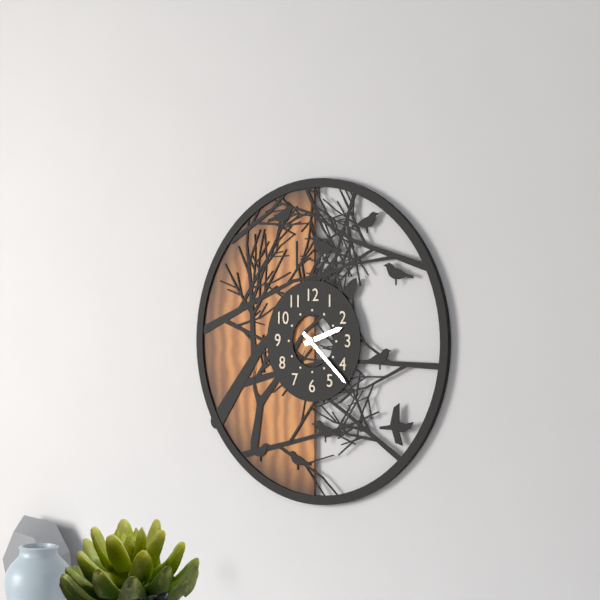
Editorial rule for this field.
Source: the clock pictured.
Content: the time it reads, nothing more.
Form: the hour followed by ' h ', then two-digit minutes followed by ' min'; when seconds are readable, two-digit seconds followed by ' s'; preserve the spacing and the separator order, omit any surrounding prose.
2 h 22 min
